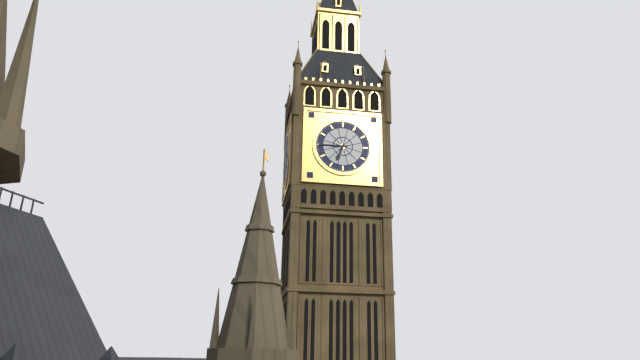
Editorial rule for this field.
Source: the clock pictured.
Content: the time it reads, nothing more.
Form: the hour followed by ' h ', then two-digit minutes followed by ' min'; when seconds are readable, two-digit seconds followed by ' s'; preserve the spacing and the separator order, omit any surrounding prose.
6 h 45 min
